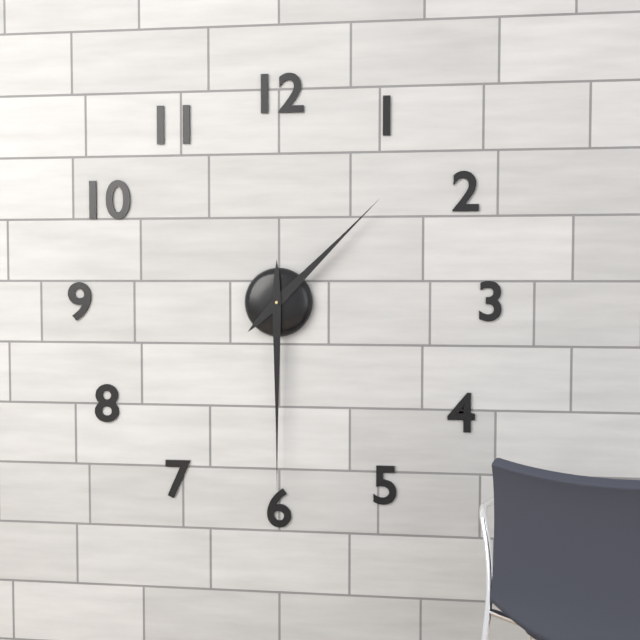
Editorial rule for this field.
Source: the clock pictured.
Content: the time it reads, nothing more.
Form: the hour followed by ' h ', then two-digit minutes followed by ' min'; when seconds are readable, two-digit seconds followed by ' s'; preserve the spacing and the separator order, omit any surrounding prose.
1 h 30 min
